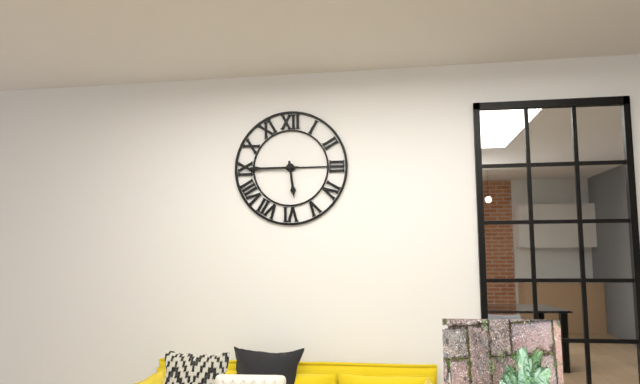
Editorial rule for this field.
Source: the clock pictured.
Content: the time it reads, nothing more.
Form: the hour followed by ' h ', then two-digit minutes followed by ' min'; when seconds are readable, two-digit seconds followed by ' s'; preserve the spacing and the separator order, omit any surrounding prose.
5 h 45 min
